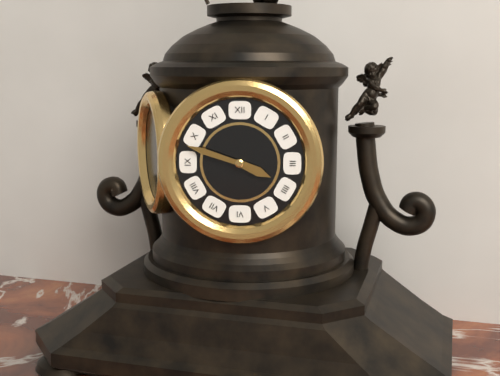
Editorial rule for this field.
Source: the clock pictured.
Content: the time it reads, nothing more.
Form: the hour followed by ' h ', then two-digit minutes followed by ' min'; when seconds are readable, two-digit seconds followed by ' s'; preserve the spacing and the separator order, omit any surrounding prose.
3 h 48 min
